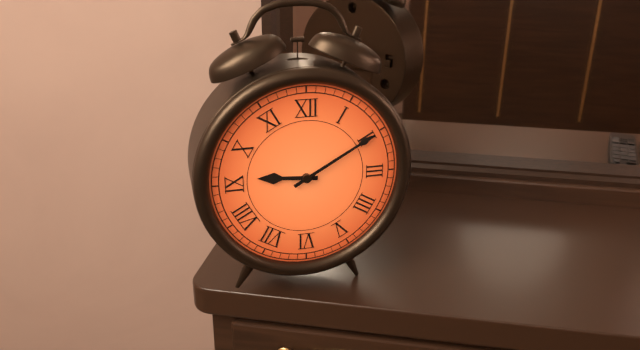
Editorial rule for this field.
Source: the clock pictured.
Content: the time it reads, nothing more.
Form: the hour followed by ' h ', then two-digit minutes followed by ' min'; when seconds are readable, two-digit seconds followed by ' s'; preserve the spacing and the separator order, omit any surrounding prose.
9 h 10 min
